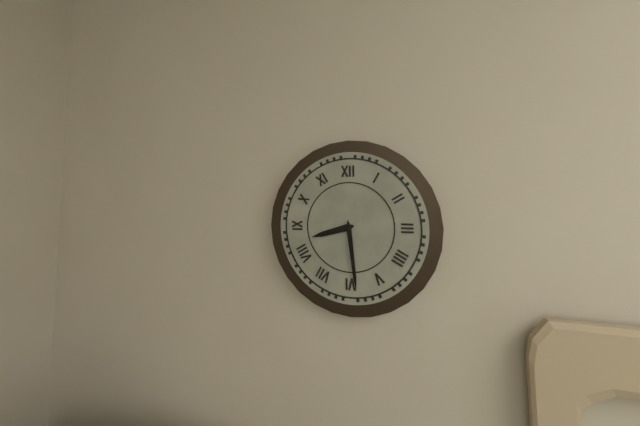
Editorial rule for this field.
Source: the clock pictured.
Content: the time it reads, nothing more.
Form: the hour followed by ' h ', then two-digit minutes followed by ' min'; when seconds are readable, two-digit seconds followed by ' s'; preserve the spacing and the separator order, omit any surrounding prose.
8 h 29 min
